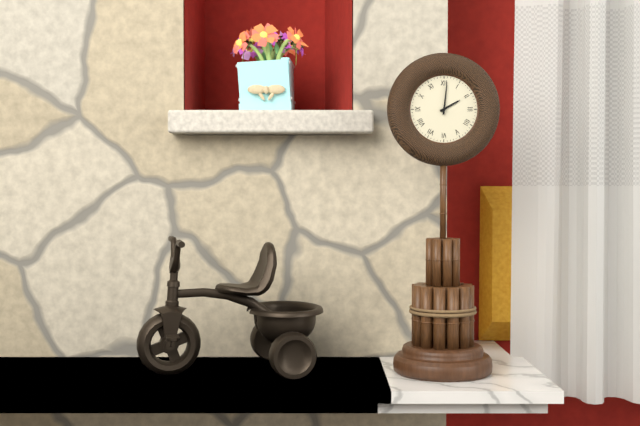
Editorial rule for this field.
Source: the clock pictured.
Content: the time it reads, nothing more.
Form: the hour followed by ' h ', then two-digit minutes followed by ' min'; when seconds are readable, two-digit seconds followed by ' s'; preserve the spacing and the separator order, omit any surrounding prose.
2 h 01 min
